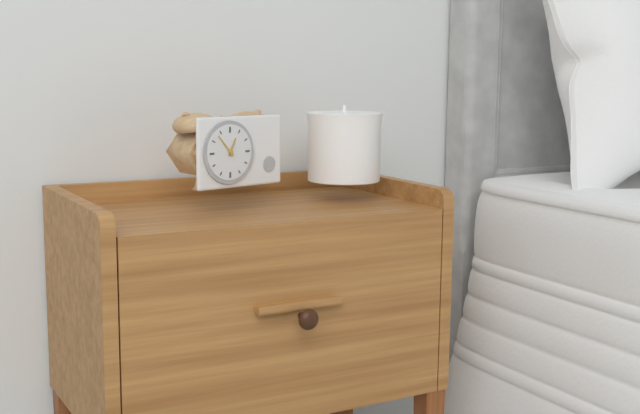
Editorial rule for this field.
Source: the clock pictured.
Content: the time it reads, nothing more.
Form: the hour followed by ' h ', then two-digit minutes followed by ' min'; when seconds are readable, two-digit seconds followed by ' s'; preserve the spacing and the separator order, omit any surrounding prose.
12 h 53 min
